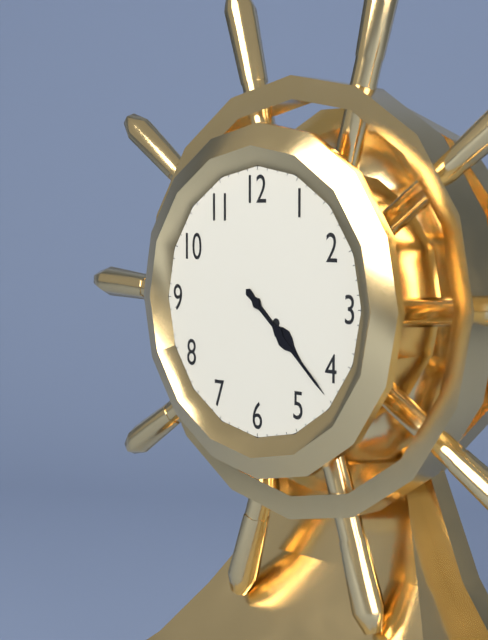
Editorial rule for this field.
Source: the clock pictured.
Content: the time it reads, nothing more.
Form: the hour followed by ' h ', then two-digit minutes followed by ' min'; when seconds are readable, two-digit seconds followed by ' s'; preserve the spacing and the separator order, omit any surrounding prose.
4 h 22 min
